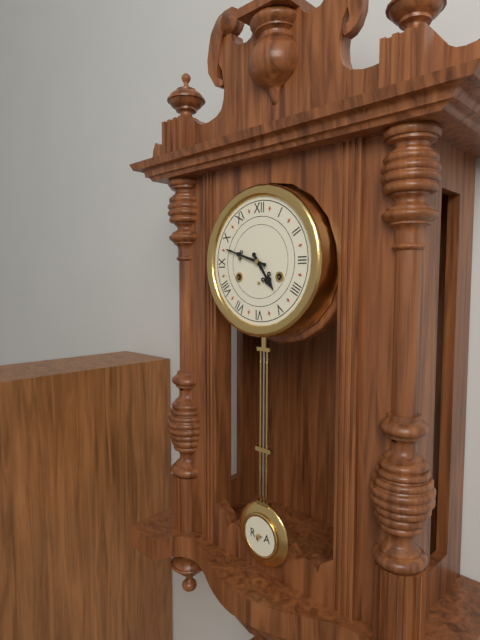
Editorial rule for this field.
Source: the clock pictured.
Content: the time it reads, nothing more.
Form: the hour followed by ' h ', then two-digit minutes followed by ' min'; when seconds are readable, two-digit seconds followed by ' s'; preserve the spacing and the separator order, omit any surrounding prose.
4 h 48 min
